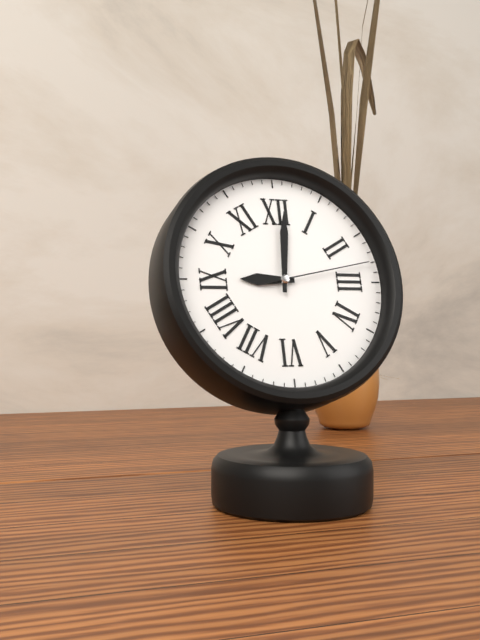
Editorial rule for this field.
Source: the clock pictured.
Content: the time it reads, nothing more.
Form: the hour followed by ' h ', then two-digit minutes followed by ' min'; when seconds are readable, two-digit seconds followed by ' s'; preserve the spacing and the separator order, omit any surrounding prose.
9 h 01 min 13 s
